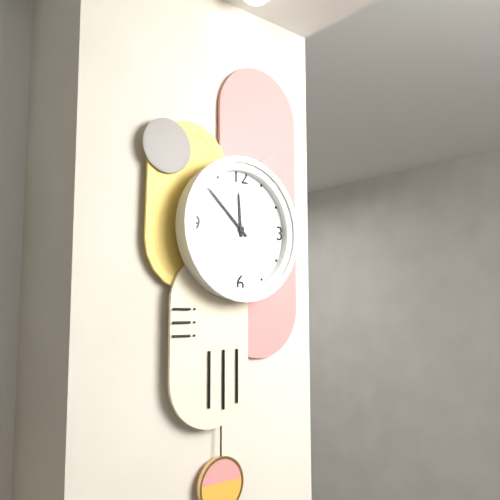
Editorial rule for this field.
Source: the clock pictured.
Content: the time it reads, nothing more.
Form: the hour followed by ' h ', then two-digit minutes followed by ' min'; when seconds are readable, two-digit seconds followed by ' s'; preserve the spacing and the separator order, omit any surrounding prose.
11 h 52 min
